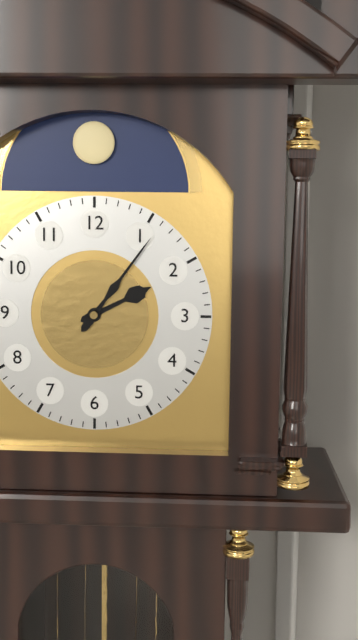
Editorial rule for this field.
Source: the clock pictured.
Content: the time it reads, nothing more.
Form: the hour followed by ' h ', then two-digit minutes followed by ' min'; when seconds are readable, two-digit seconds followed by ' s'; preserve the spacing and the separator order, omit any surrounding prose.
2 h 06 min
